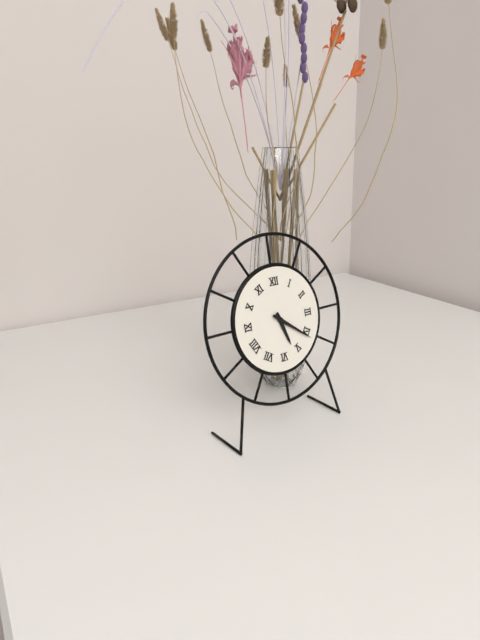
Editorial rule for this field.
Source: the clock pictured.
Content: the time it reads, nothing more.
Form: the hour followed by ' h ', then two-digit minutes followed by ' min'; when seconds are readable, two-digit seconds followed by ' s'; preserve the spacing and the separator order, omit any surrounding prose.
5 h 21 min
